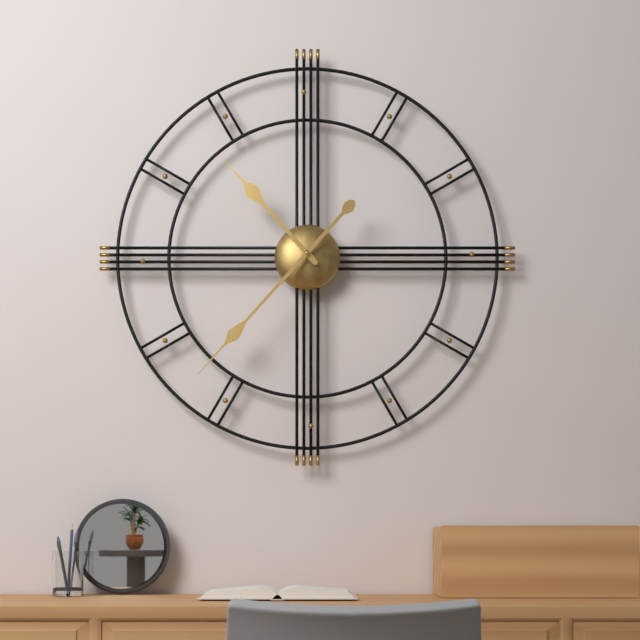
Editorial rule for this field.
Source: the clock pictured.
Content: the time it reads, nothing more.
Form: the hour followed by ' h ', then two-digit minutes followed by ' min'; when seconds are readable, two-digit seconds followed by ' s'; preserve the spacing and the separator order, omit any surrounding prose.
10 h 37 min
